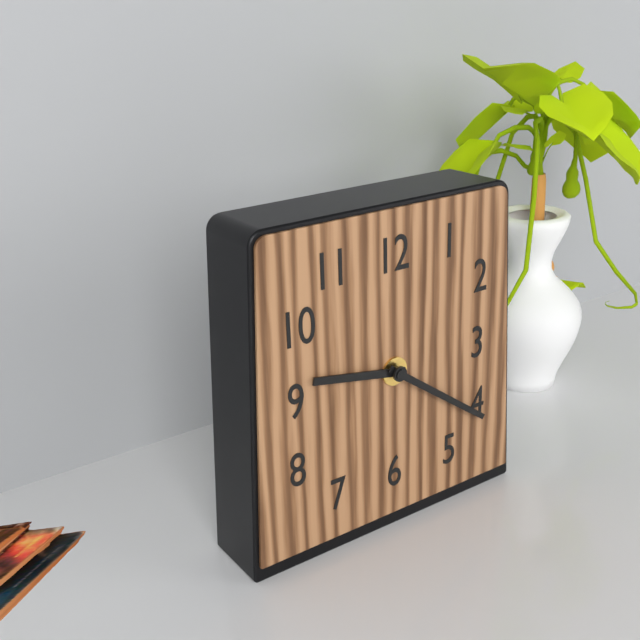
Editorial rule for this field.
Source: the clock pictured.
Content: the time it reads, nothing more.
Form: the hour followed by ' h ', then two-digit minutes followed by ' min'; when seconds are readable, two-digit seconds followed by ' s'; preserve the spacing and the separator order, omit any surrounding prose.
9 h 21 min
